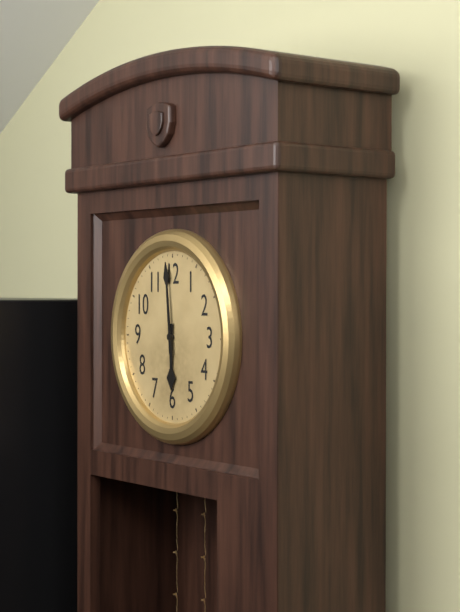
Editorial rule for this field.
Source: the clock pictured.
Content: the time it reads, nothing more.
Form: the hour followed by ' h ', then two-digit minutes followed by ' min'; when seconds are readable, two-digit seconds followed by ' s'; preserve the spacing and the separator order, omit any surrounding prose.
5 h 59 min
